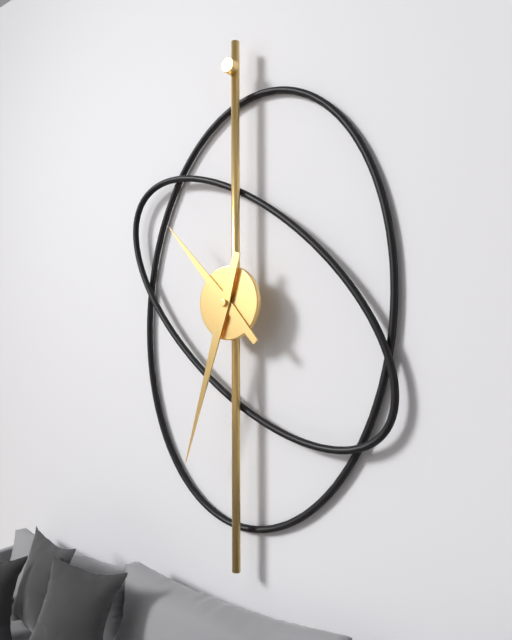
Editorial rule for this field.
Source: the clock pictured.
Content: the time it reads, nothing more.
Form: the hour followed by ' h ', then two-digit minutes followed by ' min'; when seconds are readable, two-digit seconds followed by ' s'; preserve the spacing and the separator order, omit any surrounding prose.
10 h 33 min
